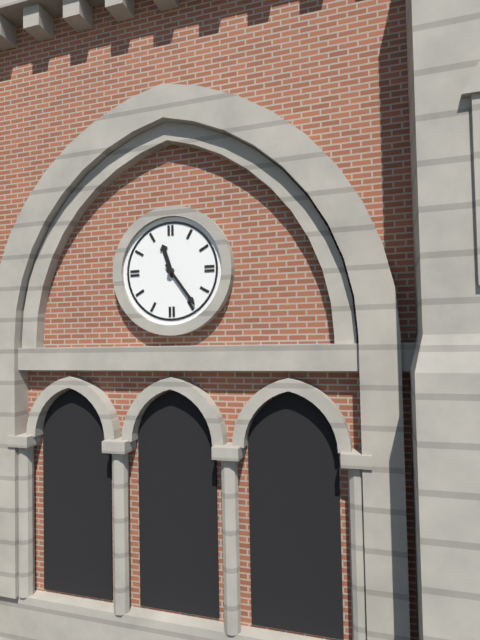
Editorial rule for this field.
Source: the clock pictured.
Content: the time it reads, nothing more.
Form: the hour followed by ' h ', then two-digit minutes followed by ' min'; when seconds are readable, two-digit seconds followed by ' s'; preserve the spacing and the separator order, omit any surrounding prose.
11 h 24 min
